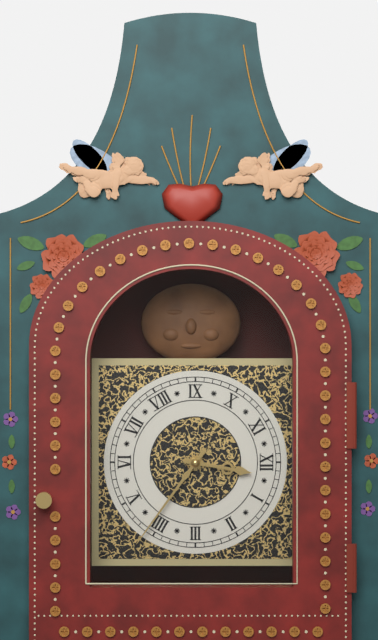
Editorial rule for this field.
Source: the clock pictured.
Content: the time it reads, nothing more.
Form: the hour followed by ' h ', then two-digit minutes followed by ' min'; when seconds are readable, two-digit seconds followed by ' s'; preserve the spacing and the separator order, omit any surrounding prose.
12 h 21 min
